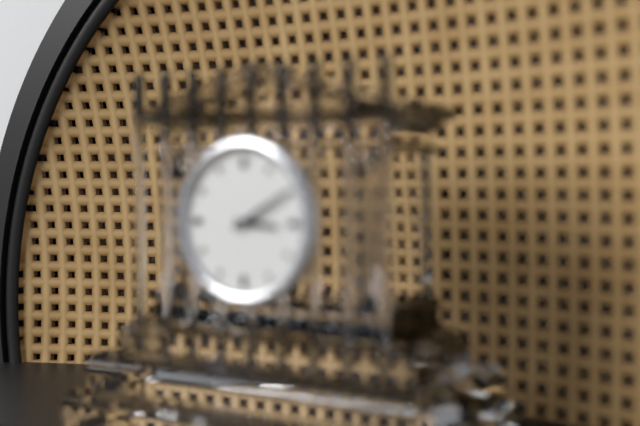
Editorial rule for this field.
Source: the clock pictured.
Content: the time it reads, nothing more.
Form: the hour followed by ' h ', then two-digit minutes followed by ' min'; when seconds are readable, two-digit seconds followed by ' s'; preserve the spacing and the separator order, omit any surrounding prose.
3 h 10 min
